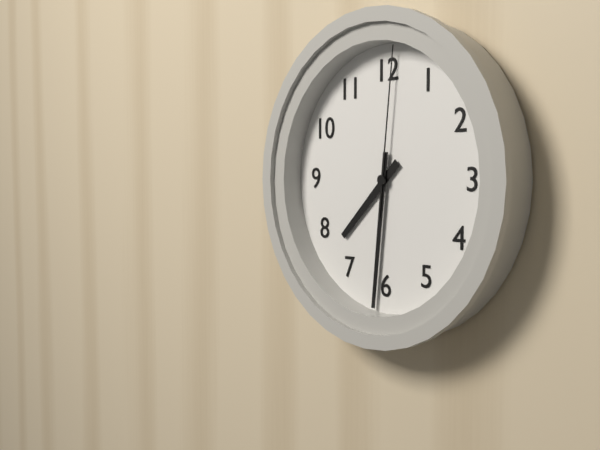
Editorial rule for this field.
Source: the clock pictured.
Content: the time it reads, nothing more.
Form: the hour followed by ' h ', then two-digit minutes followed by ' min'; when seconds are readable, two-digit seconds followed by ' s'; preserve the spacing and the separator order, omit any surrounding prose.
7 h 31 min 01 s
